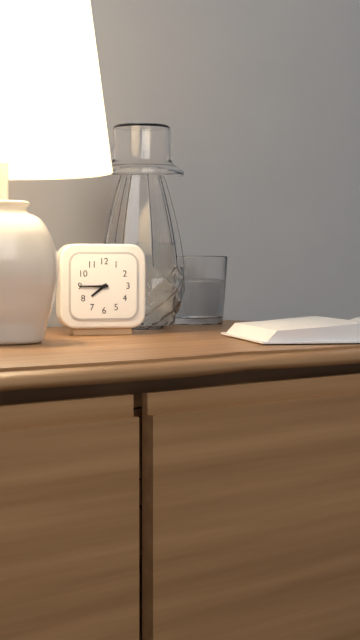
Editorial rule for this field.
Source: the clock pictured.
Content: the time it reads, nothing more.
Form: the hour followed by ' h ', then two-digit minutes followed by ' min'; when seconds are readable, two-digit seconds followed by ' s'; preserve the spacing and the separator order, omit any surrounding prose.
7 h 45 min
